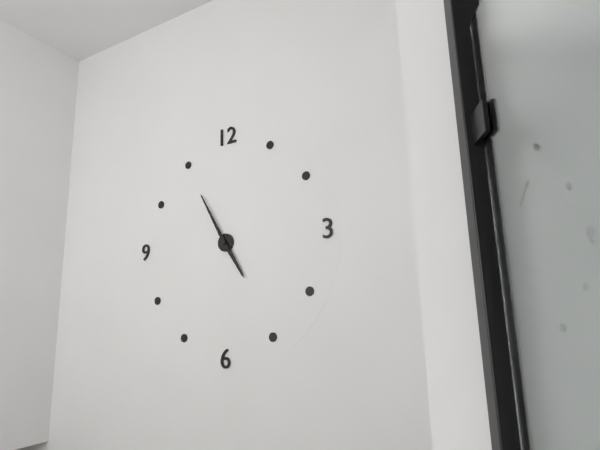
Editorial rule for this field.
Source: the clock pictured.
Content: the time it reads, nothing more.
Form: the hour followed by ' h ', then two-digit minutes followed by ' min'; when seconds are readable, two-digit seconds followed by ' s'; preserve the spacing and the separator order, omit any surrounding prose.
4 h 55 min
